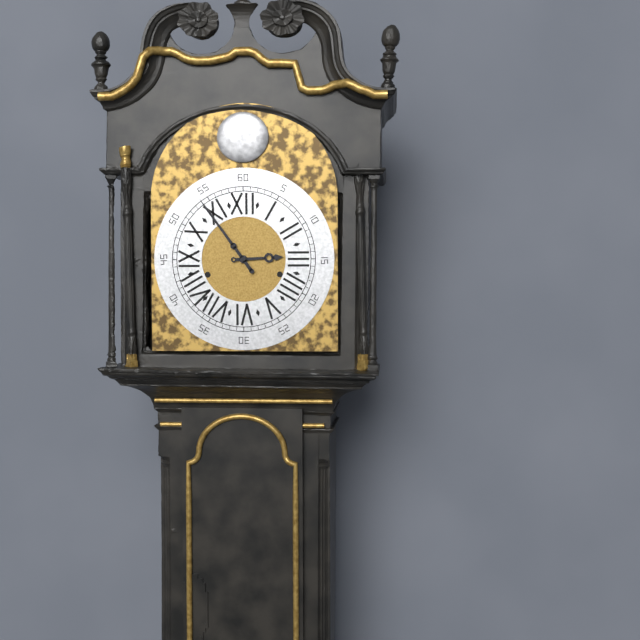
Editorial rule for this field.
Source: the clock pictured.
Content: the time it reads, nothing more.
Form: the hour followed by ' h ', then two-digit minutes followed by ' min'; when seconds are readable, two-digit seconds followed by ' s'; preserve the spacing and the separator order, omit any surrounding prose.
2 h 54 min
